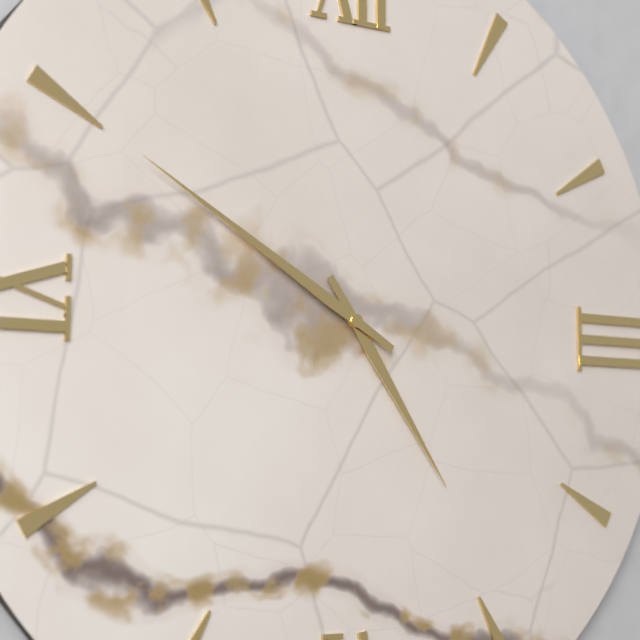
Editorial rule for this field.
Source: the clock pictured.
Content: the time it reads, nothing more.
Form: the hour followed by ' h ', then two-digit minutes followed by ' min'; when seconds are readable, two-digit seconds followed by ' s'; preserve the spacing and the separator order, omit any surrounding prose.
4 h 50 min
